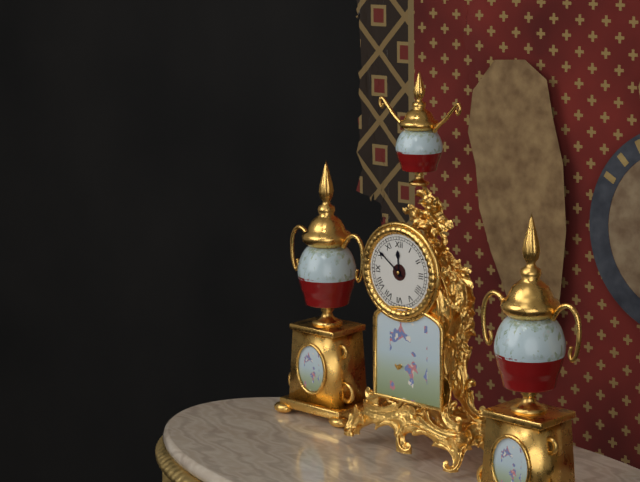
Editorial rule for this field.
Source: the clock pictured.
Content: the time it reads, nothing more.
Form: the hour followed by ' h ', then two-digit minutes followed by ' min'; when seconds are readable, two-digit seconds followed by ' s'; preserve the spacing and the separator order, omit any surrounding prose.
11 h 51 min
